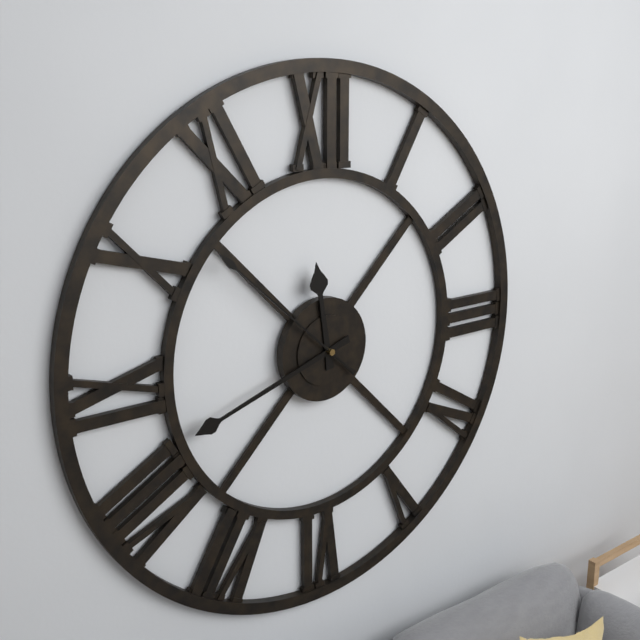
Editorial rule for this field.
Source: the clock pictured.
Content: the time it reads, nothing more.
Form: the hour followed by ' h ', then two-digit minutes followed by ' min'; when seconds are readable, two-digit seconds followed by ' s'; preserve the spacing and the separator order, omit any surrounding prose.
11 h 42 min 52 s
